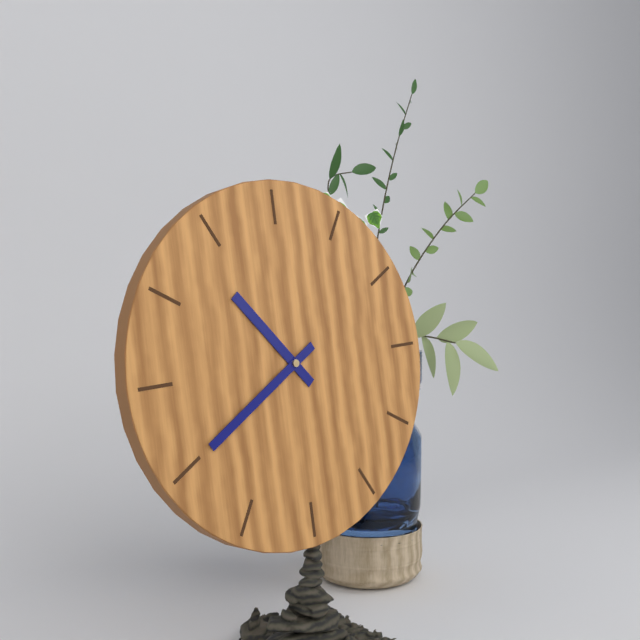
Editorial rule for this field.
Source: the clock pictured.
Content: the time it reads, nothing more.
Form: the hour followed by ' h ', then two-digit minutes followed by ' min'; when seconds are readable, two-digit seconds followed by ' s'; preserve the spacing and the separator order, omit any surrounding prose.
10 h 40 min
